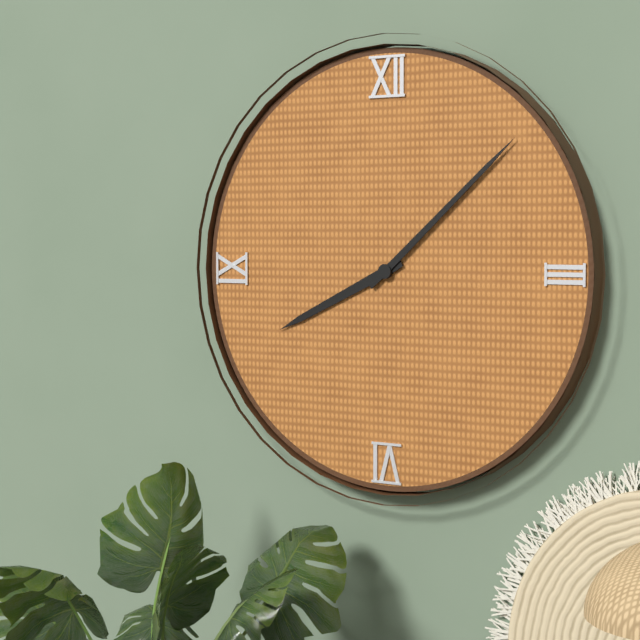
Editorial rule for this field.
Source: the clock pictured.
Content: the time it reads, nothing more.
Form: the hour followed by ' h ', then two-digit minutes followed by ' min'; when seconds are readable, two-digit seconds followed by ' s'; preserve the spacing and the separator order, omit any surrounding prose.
8 h 08 min
